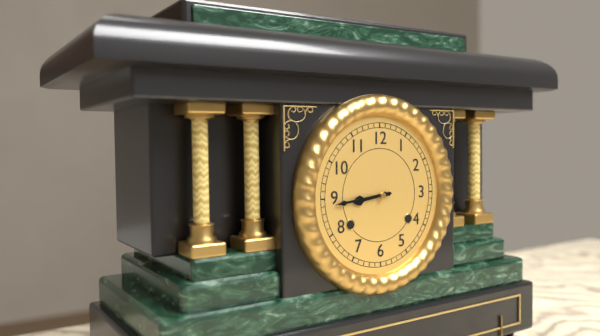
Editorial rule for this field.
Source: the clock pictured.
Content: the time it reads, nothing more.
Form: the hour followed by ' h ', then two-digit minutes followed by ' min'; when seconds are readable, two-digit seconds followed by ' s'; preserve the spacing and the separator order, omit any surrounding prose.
8 h 44 min
